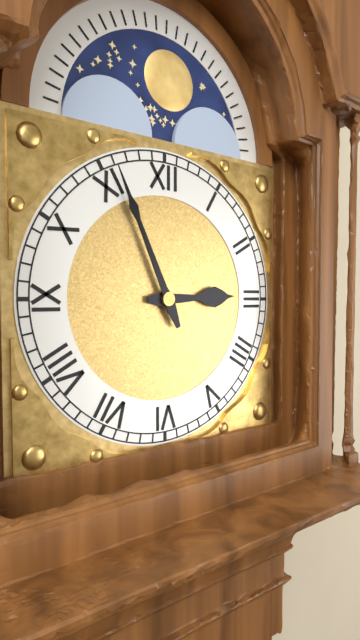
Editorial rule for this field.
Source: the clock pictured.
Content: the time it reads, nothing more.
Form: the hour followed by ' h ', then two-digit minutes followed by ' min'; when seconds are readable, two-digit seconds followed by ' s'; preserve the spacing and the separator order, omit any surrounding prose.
2 h 56 min
